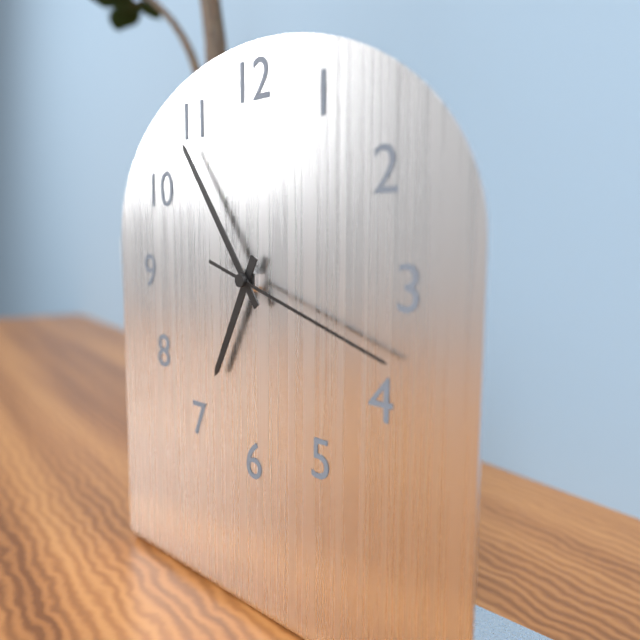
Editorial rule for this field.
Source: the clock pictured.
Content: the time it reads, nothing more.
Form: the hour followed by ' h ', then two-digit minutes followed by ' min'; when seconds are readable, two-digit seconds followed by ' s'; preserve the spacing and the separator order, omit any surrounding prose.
6 h 54 min 18 s
